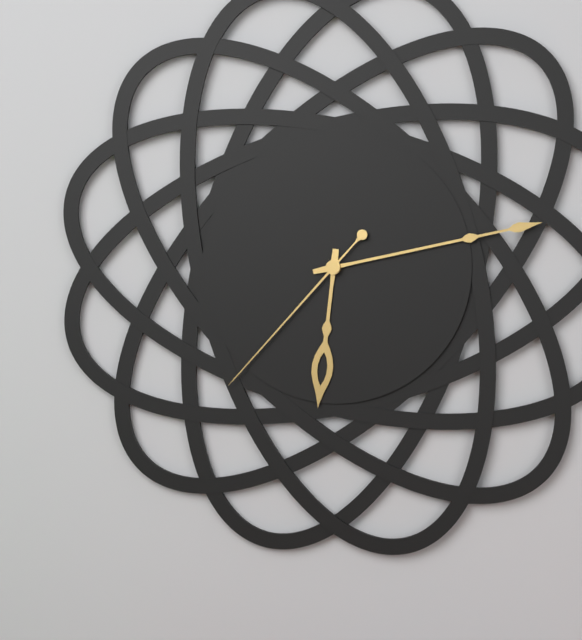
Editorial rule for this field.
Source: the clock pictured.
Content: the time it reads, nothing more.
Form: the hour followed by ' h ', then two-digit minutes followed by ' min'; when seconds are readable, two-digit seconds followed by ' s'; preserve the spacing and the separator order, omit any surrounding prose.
6 h 13 min 37 s
